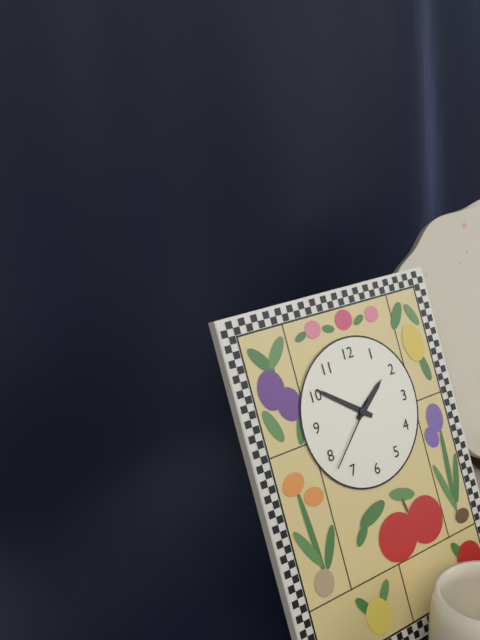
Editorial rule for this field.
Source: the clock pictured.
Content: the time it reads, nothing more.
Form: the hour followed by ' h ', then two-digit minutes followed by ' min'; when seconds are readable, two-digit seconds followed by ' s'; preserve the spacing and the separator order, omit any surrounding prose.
1 h 51 min 38 s
